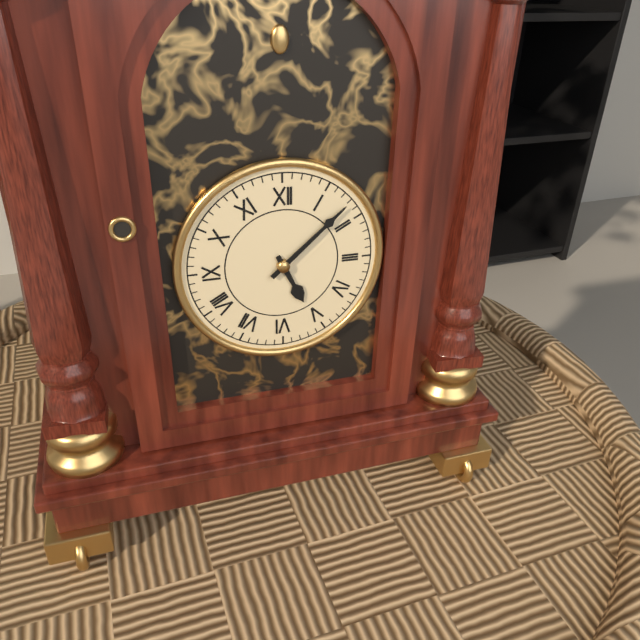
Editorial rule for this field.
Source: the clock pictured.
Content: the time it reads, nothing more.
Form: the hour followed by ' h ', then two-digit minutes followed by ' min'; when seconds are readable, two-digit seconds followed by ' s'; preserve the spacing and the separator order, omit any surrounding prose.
5 h 08 min
